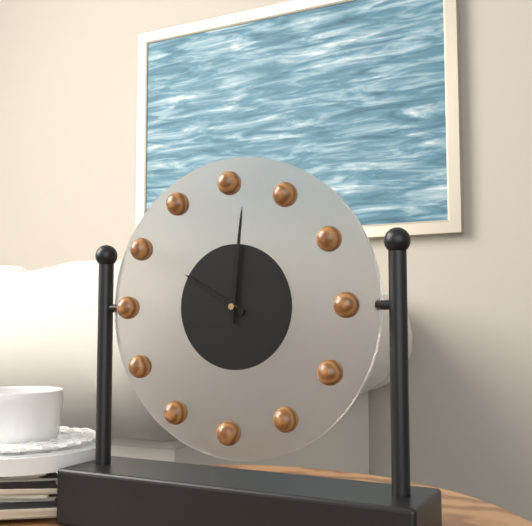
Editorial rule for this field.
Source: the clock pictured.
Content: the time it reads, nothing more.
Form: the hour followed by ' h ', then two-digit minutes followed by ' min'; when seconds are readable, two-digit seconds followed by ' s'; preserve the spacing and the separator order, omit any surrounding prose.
10 h 01 min
